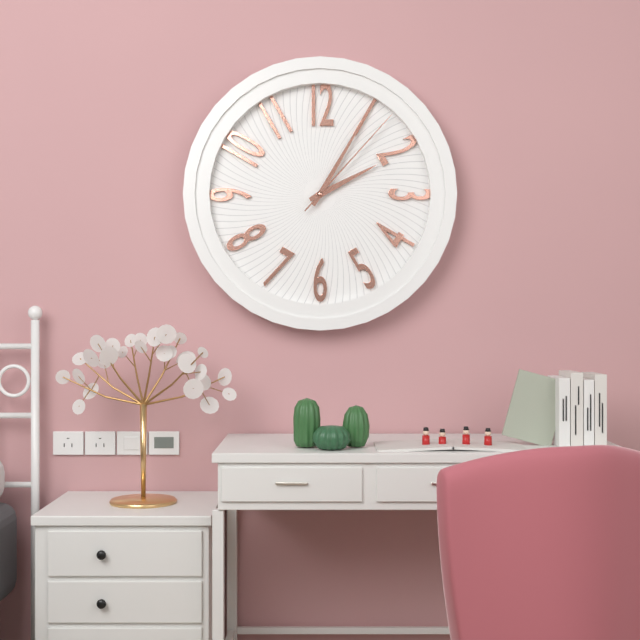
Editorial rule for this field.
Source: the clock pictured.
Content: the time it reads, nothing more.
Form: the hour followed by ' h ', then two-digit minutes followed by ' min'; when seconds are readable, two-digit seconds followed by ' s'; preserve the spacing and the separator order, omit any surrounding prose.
2 h 05 min 07 s
